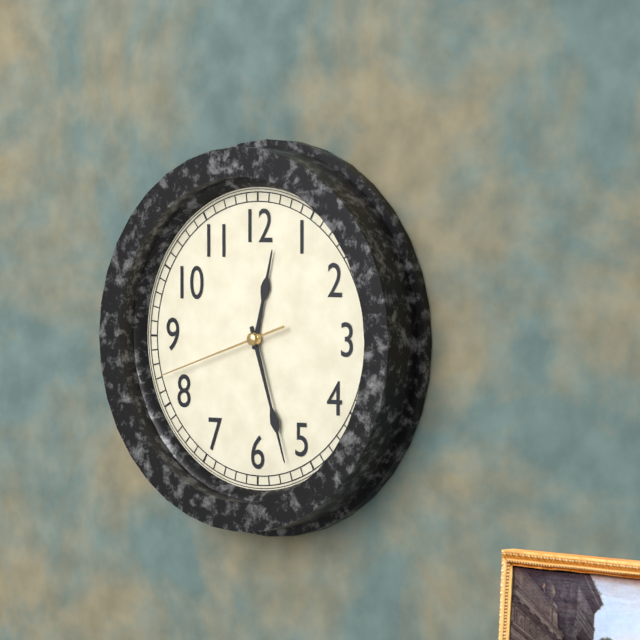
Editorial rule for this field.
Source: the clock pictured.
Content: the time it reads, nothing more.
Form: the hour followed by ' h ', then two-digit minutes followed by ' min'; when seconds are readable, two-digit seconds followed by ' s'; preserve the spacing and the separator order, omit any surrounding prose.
12 h 27 min 42 s
